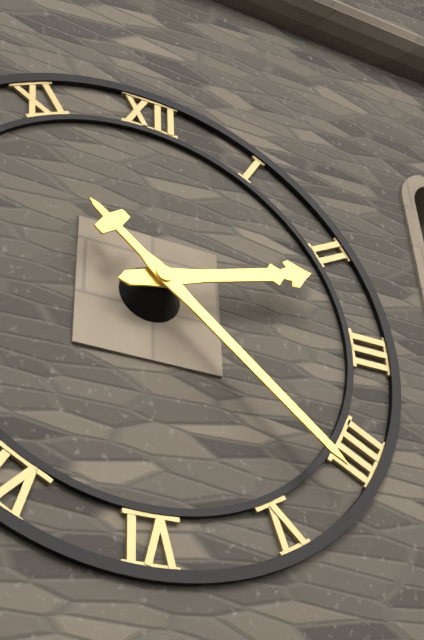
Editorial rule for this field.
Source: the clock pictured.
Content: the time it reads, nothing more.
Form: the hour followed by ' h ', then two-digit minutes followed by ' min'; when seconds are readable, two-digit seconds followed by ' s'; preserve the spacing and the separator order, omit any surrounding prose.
2 h 22 min
